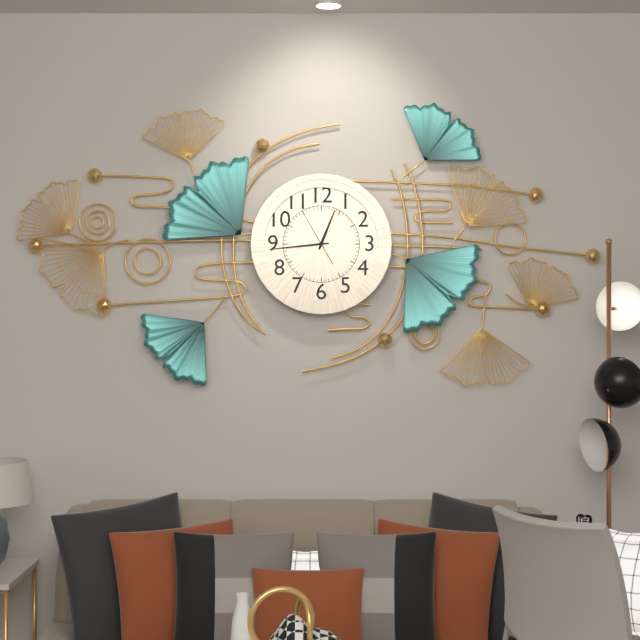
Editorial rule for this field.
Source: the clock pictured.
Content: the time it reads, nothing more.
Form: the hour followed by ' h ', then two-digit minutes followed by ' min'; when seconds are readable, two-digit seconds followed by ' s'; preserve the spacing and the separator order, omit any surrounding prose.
12 h 44 min
